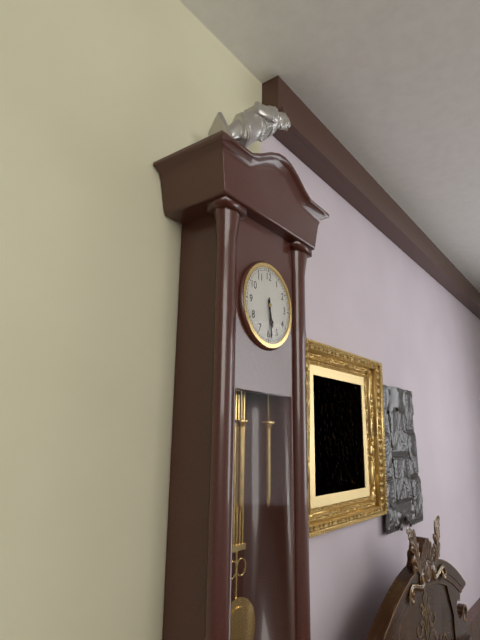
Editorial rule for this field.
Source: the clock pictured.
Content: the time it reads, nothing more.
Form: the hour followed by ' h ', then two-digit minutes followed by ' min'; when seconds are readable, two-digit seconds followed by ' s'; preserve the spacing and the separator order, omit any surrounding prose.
5 h 29 min
